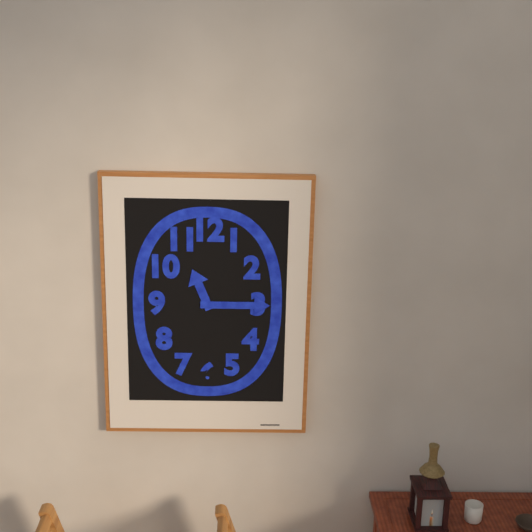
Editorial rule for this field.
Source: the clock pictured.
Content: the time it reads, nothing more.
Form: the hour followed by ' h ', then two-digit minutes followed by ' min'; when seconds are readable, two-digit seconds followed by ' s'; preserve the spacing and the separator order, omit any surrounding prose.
11 h 15 min
